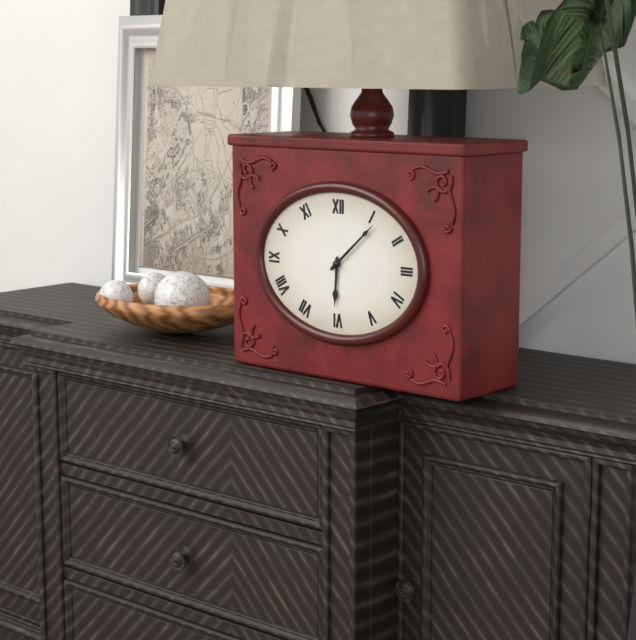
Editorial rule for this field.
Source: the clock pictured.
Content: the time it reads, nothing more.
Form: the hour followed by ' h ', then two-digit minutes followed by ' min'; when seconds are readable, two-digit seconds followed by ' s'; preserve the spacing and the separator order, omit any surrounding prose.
6 h 08 min
